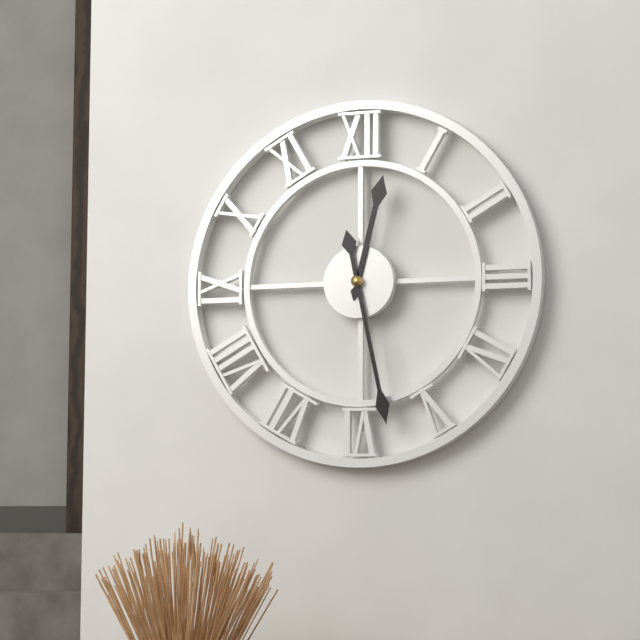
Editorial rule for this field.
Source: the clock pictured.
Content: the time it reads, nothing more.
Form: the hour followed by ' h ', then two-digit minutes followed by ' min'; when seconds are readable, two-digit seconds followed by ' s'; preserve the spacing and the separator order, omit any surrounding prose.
12 h 28 min
